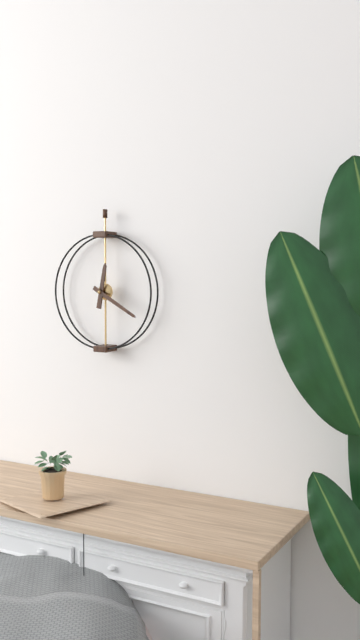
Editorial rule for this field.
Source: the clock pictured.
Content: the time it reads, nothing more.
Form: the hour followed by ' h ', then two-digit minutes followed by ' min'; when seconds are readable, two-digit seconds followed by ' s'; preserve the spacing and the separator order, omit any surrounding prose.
12 h 20 min
